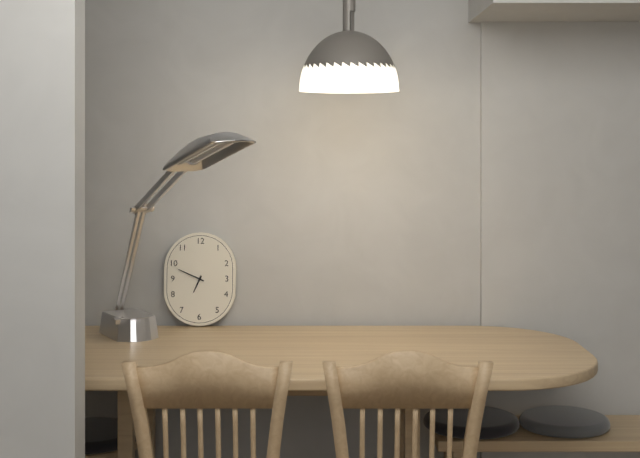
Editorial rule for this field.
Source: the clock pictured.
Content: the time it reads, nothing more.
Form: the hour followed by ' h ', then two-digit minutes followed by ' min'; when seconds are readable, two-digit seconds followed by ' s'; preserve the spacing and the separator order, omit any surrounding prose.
6 h 49 min
